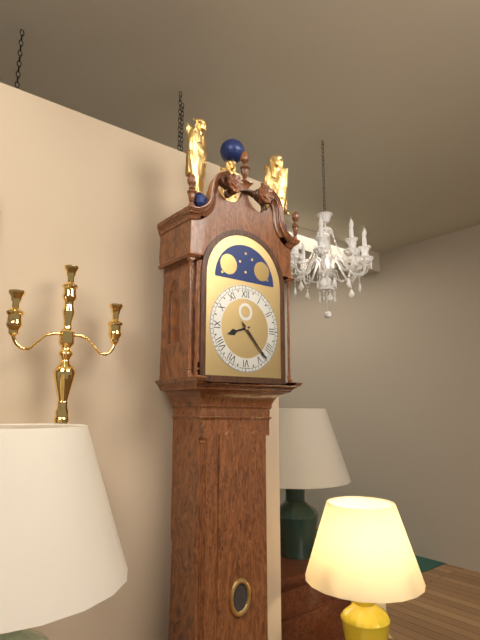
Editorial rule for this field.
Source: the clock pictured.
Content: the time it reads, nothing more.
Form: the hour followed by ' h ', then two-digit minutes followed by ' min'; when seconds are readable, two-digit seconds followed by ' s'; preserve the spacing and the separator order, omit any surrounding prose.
8 h 23 min
